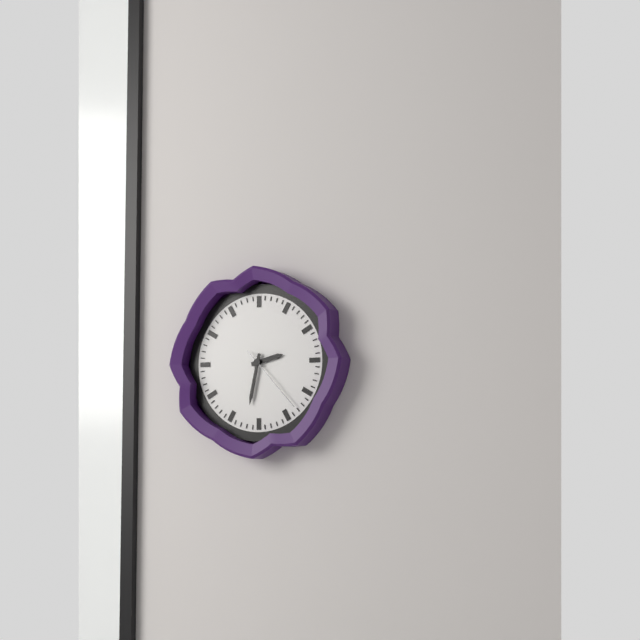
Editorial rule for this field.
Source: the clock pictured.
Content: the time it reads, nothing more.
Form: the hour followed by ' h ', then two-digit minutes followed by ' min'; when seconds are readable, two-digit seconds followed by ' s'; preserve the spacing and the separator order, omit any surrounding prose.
2 h 32 min 23 s
